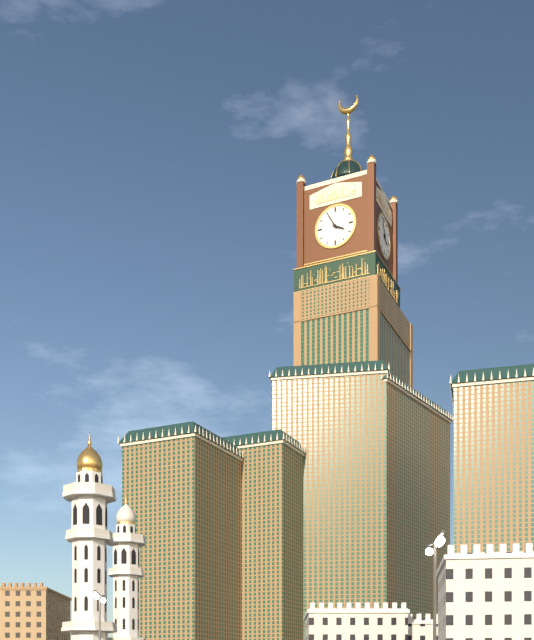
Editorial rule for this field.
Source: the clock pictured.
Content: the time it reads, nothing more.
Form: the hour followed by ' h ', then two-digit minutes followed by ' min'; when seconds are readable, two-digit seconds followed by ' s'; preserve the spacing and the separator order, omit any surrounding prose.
3 h 55 min
